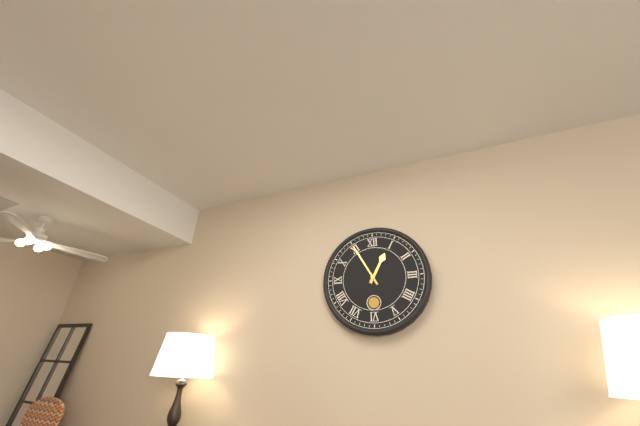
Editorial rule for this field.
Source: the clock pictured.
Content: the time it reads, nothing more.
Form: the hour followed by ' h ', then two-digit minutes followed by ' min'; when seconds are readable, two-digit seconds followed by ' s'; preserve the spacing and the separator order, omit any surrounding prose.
12 h 55 min
